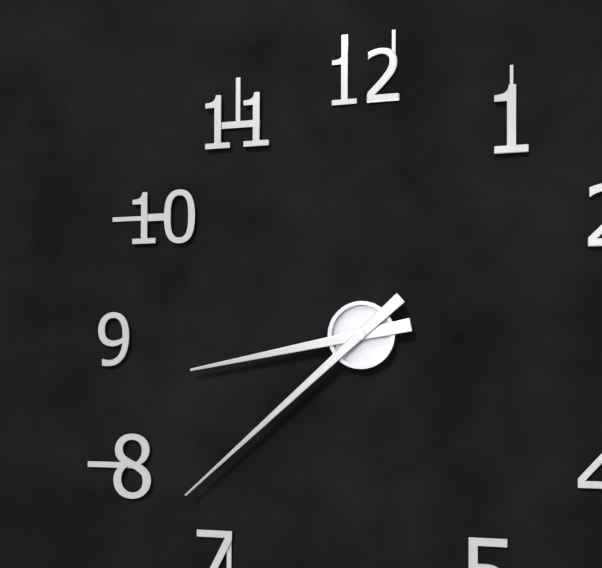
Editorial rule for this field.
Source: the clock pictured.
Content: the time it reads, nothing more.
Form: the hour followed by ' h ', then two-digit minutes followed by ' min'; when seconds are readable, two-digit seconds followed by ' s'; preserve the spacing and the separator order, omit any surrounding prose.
8 h 38 min
